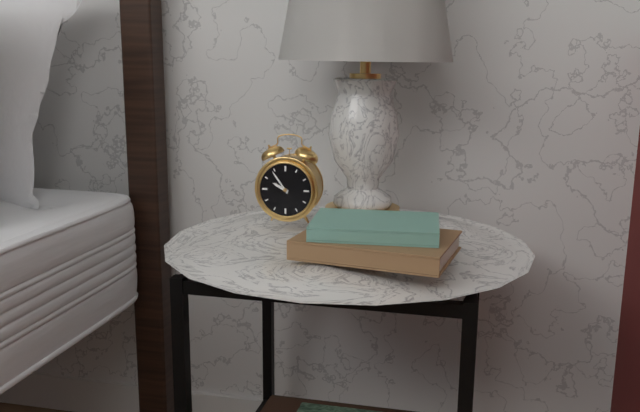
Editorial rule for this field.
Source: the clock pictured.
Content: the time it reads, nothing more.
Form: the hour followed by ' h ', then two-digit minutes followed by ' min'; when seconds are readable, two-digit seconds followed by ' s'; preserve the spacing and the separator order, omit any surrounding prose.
9 h 54 min
